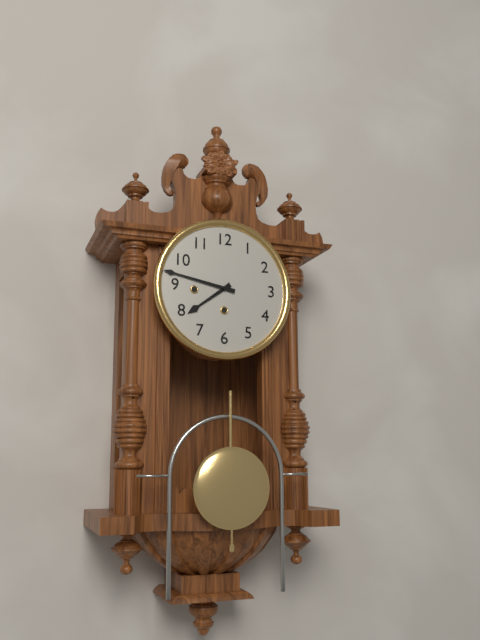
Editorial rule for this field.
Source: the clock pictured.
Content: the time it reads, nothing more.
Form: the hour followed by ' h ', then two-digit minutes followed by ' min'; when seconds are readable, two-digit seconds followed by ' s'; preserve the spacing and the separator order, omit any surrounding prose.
7 h 47 min
